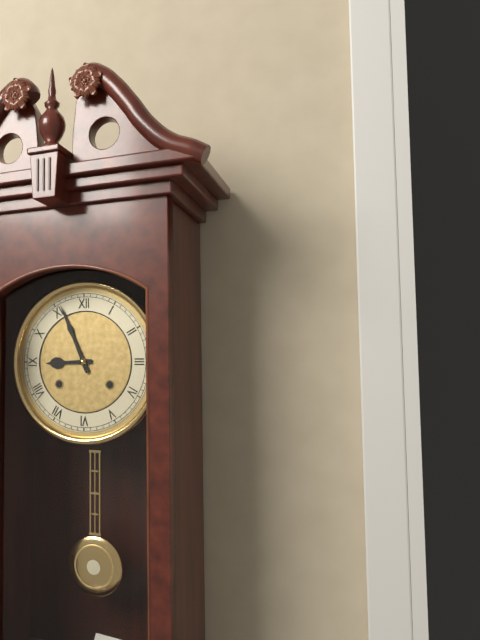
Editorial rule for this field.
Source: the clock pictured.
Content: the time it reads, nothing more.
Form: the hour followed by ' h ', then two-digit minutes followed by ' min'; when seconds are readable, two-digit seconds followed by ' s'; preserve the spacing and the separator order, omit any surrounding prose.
8 h 56 min
